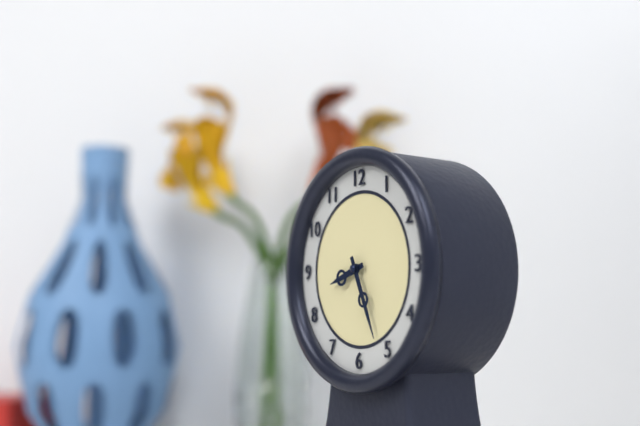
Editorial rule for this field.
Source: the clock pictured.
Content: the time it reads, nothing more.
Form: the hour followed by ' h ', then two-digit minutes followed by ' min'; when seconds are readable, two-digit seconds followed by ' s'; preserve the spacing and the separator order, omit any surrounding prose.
8 h 26 min
